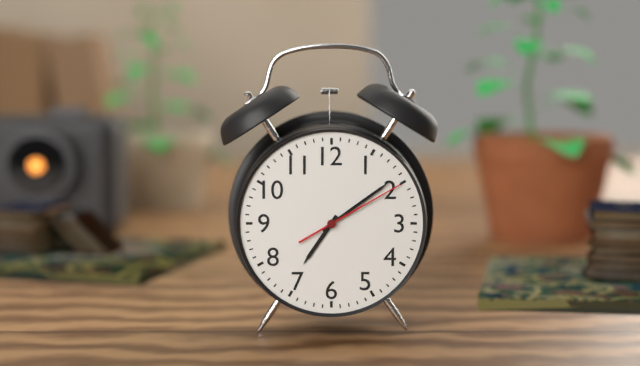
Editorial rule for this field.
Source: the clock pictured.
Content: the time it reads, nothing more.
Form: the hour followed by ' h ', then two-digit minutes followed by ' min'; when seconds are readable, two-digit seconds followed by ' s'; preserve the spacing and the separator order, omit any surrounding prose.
7 h 09 min 10 s
